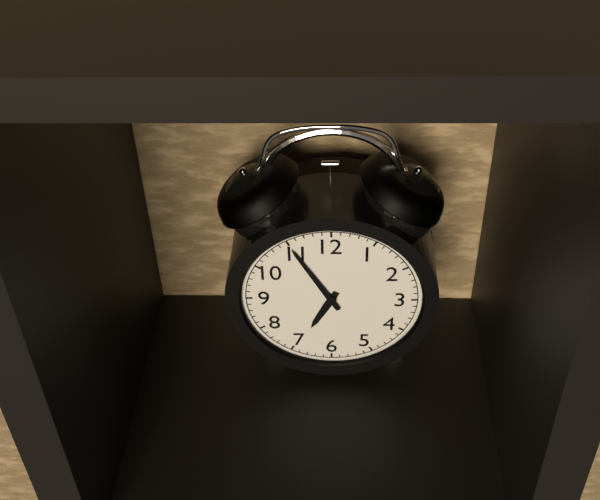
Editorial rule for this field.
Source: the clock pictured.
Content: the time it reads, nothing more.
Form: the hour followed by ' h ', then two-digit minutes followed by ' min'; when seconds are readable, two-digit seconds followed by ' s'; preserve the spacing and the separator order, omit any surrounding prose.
6 h 55 min
